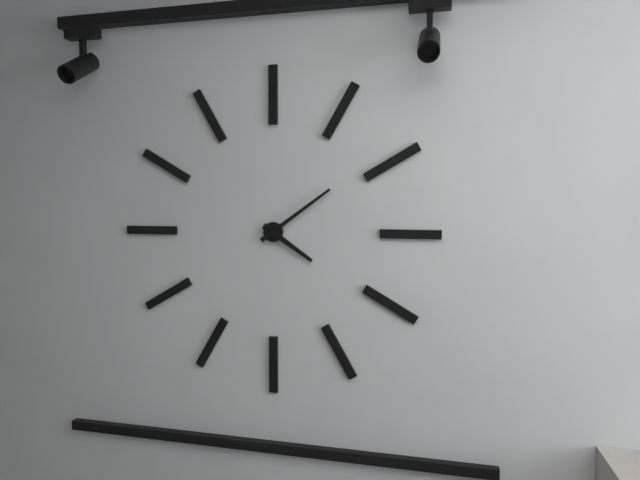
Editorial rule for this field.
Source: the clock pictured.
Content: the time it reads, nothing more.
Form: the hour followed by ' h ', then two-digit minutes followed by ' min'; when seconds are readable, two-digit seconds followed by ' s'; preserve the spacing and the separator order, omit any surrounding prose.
4 h 09 min
